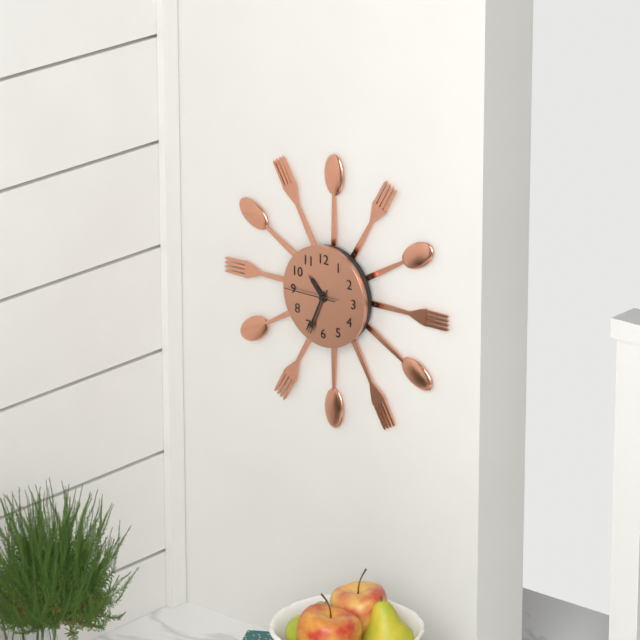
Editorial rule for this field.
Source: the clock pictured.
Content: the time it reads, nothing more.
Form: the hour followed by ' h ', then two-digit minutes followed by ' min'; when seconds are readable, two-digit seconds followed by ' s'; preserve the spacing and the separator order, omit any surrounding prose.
10 h 34 min 45 s
